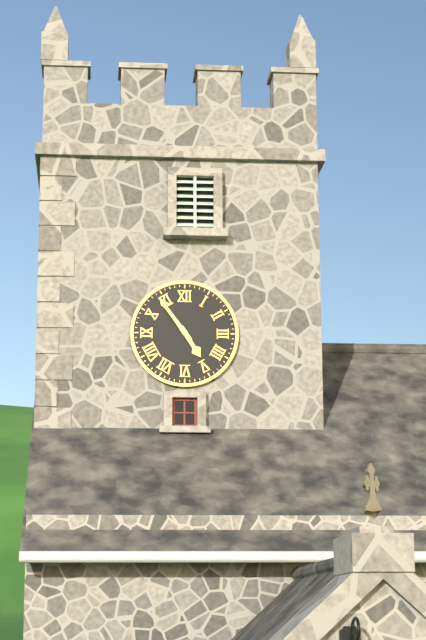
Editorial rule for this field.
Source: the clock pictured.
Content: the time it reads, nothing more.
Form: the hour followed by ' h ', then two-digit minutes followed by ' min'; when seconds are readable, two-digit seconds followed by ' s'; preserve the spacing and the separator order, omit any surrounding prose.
4 h 54 min
